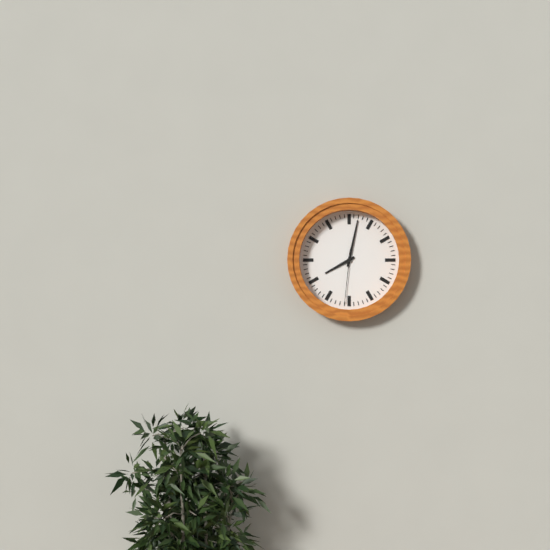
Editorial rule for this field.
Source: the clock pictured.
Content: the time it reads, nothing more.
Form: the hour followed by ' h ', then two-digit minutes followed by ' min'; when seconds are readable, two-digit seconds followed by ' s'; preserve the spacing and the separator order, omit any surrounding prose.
8 h 02 min 31 s
